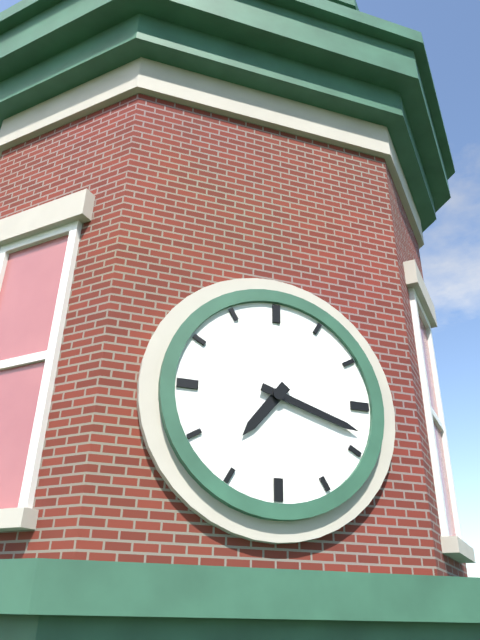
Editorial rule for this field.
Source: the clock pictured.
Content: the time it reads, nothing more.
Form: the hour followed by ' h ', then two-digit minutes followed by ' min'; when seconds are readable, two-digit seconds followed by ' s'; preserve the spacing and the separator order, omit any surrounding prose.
7 h 18 min
